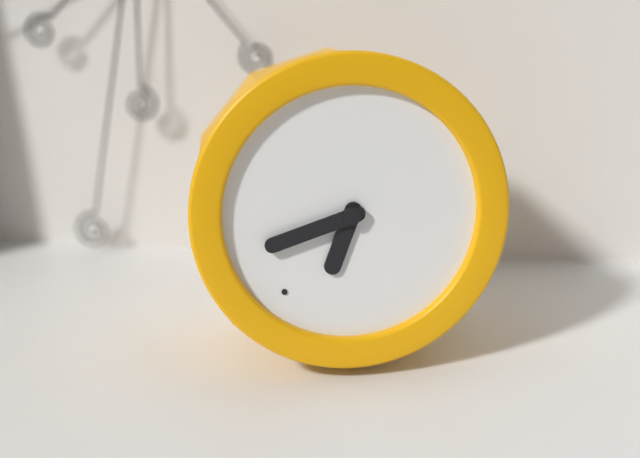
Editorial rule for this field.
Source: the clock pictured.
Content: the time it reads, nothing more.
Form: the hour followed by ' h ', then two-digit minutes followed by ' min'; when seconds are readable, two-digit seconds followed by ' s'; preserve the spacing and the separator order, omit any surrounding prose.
6 h 42 min
